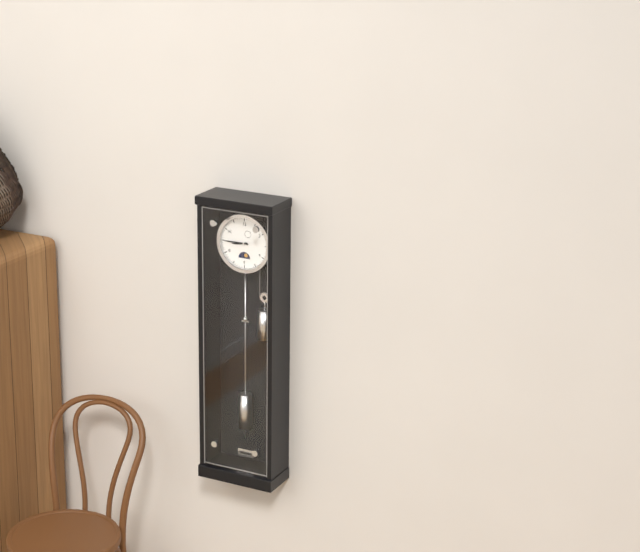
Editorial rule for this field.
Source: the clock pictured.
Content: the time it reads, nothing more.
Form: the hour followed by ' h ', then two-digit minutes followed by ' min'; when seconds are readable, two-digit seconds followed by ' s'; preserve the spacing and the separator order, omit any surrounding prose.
8 h 45 min
